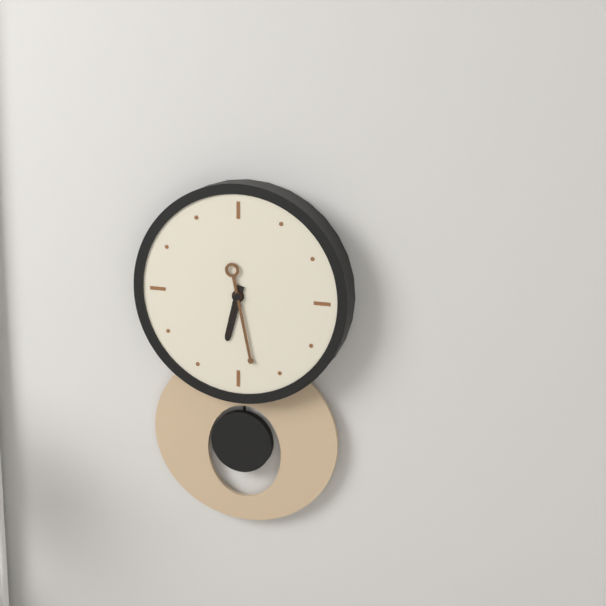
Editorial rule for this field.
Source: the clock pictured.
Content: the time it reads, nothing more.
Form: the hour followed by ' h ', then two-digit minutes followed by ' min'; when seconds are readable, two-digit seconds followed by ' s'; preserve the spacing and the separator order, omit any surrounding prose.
6 h 28 min
